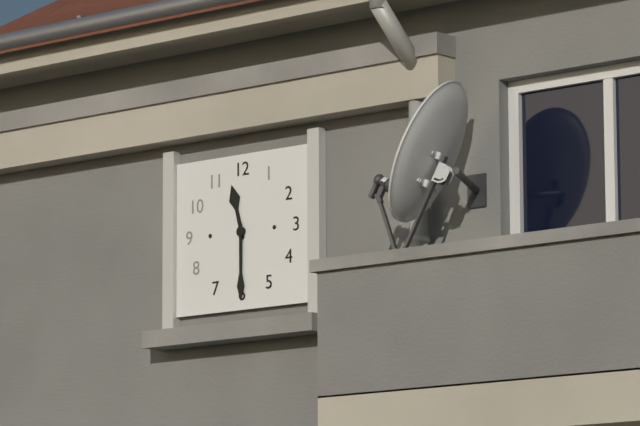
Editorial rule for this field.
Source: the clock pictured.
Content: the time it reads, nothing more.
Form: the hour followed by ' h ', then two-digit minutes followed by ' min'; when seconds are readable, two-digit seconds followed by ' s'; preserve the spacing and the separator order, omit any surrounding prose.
11 h 30 min
